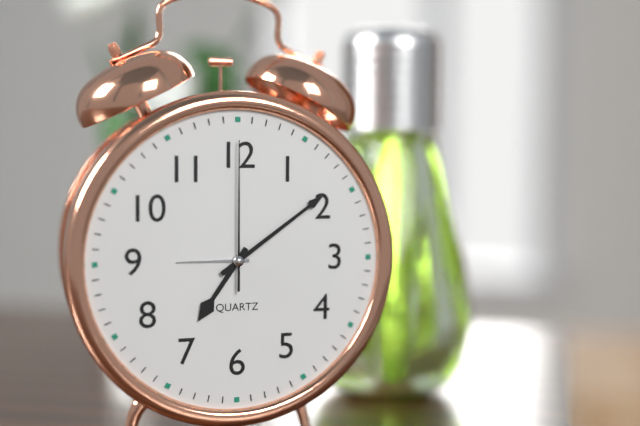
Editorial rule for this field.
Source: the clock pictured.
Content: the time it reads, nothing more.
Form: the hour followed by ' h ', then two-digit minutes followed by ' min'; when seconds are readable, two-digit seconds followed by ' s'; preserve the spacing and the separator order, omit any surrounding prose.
7 h 09 min 00 s
